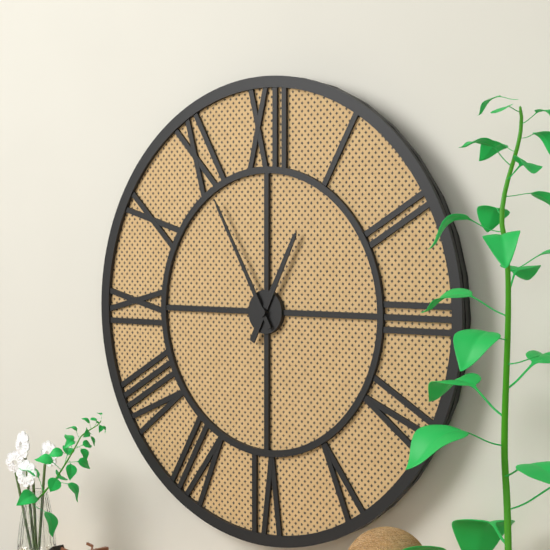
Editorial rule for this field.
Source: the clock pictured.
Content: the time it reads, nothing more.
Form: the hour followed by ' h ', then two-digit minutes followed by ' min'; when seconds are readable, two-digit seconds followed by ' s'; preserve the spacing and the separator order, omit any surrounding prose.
12 h 55 min
